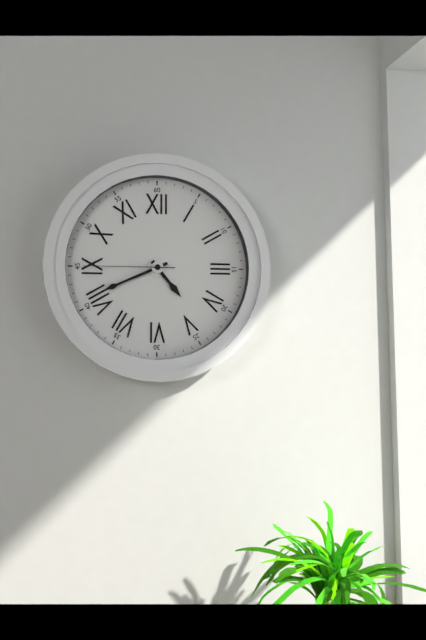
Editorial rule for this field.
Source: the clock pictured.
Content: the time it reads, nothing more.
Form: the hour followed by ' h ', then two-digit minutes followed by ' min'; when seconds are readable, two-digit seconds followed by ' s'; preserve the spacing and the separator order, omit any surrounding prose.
4 h 41 min 45 s
